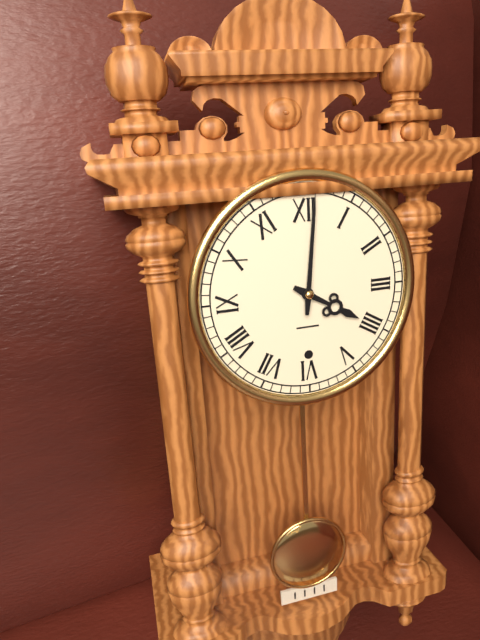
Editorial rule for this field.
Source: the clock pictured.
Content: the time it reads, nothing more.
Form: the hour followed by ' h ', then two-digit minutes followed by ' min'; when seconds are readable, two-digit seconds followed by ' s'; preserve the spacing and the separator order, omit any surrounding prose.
4 h 01 min
